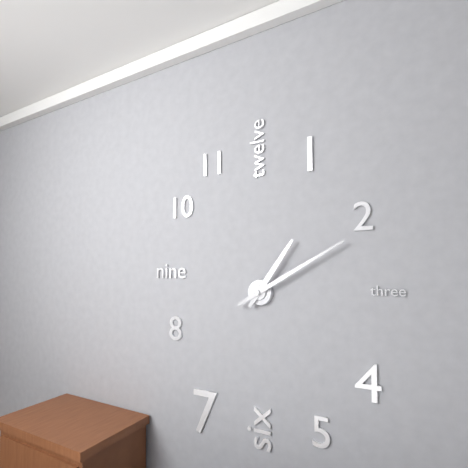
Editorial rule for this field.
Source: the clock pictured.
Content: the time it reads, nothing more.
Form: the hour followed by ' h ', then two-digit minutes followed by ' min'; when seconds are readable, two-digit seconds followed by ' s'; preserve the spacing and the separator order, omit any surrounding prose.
1 h 10 min
